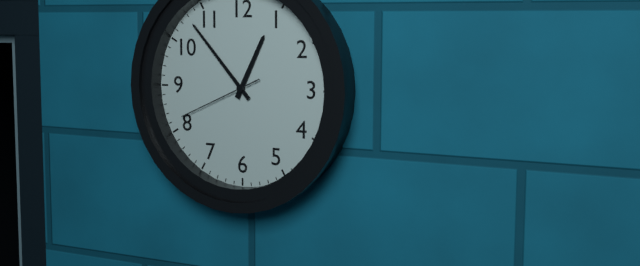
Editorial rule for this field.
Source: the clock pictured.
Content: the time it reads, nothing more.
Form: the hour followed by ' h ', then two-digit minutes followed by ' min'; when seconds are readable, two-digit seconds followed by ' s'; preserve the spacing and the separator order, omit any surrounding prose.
12 h 53 min 41 s
